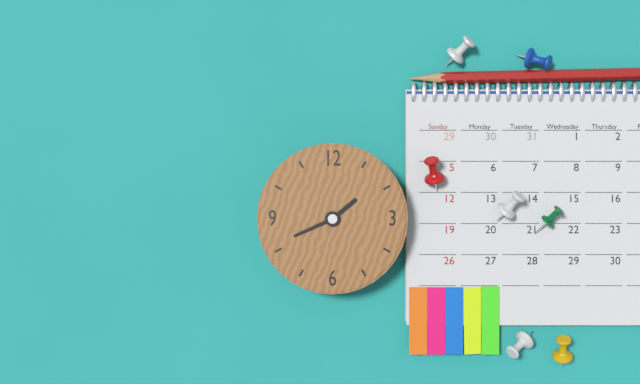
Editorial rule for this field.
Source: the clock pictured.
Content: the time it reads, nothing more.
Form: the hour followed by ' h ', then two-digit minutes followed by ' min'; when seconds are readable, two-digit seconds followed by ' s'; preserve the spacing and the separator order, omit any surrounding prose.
1 h 41 min
